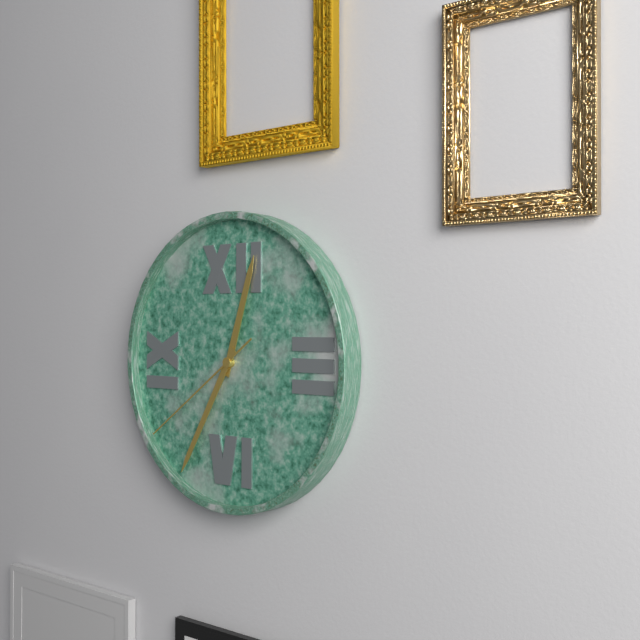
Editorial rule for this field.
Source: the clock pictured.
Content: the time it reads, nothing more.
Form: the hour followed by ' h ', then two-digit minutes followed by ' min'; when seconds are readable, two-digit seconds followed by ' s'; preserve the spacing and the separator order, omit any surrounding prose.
12 h 35 min 39 s
